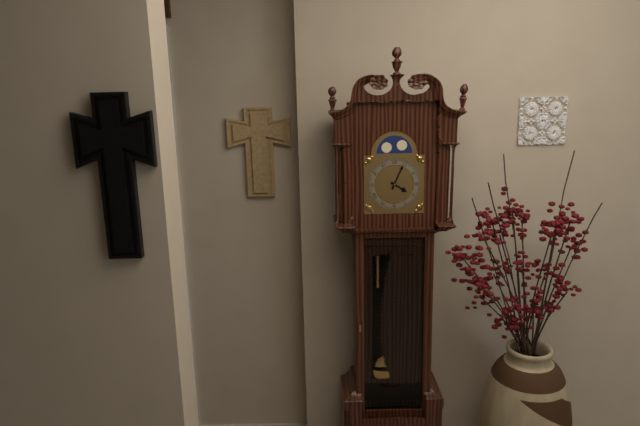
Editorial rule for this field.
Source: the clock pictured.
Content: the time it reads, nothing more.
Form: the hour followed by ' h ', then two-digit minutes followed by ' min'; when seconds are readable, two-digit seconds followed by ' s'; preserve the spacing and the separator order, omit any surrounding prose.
4 h 04 min
